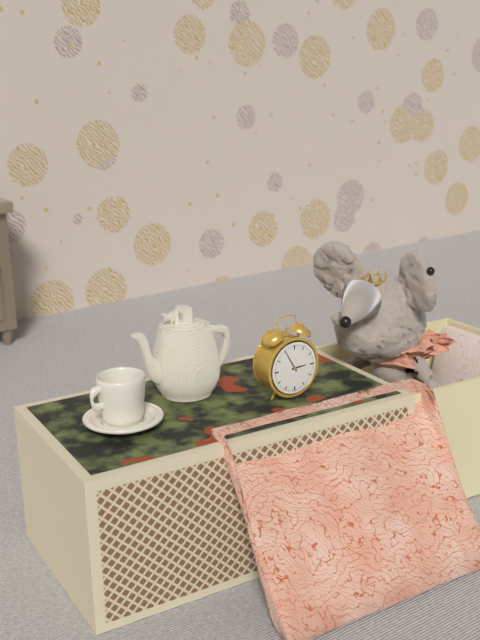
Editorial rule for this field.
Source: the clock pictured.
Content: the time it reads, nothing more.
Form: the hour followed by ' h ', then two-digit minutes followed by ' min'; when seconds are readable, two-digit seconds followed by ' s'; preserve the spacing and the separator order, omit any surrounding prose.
2 h 55 min
